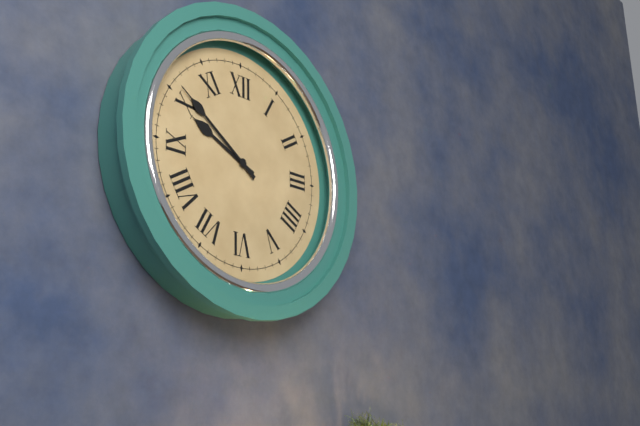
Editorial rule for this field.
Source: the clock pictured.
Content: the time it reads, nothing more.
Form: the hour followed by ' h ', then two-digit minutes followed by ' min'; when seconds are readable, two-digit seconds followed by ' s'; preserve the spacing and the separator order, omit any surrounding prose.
9 h 51 min
